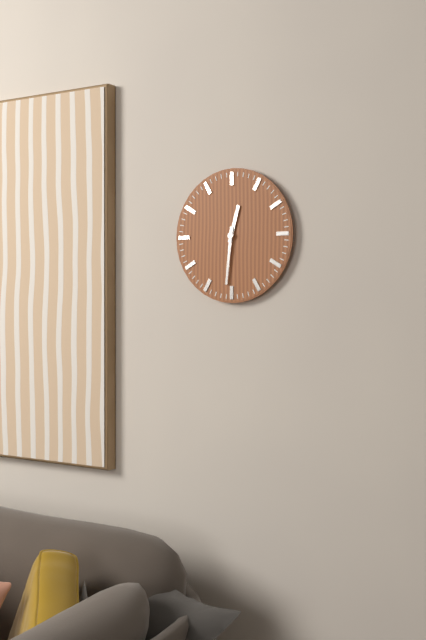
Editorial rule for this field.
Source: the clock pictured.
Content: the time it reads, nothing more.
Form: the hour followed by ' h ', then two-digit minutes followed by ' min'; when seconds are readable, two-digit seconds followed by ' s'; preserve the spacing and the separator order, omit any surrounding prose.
12 h 31 min
